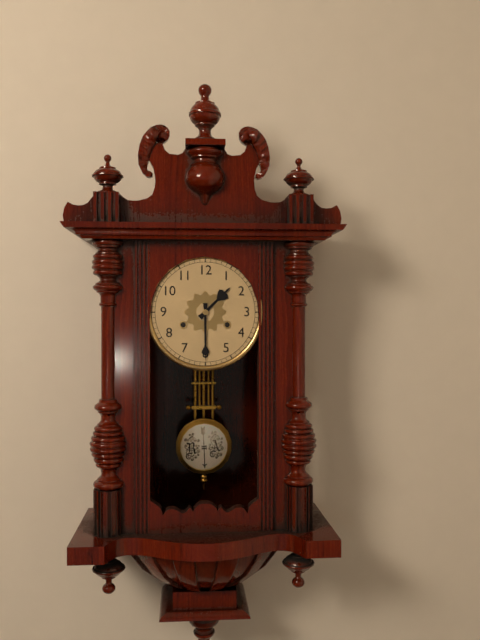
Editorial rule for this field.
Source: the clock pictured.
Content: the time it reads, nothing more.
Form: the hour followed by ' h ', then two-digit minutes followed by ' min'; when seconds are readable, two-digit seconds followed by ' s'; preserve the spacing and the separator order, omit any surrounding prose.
1 h 30 min
